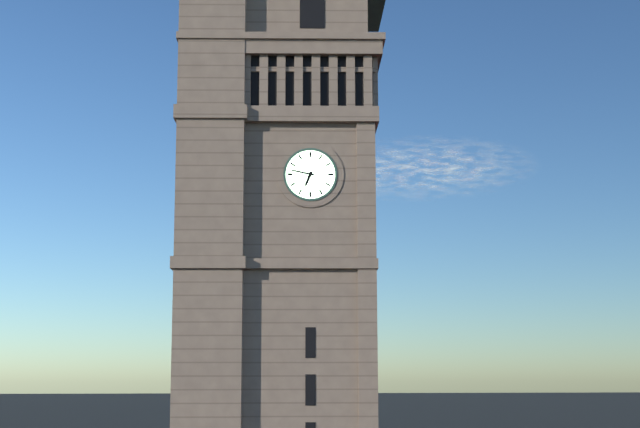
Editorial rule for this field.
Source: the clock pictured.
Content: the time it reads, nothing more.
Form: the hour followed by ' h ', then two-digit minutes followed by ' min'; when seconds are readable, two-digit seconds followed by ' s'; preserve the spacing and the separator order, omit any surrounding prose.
6 h 47 min
